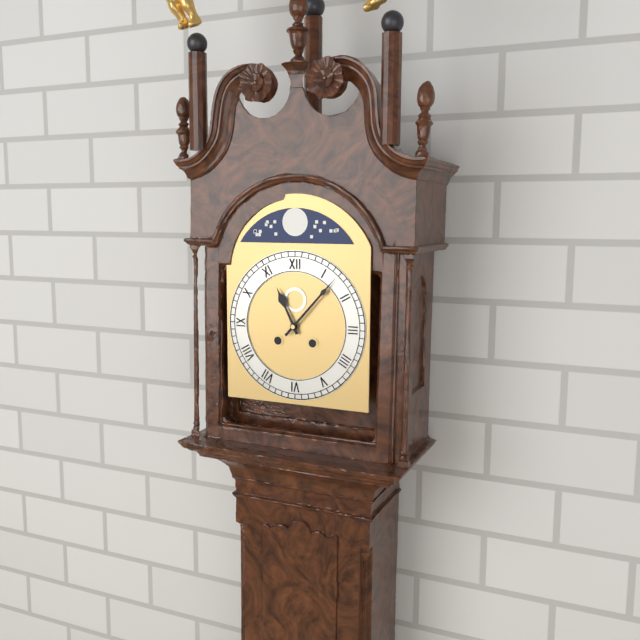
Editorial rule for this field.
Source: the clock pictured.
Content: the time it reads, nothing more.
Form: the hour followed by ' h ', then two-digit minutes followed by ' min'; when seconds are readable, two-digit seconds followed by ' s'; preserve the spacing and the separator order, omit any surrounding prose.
11 h 07 min
